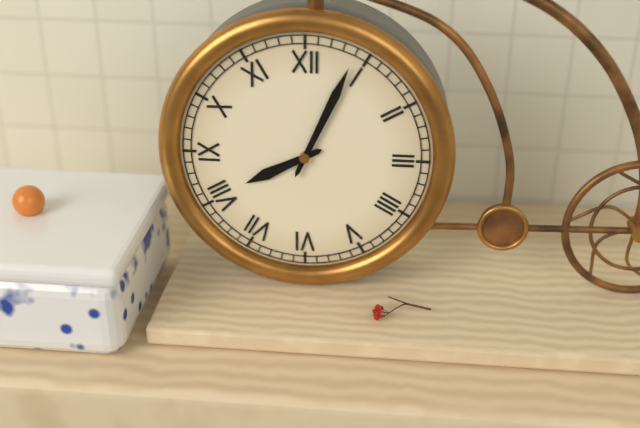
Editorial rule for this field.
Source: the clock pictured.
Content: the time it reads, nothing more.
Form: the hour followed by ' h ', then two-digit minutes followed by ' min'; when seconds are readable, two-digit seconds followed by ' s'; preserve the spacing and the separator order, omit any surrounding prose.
8 h 04 min
